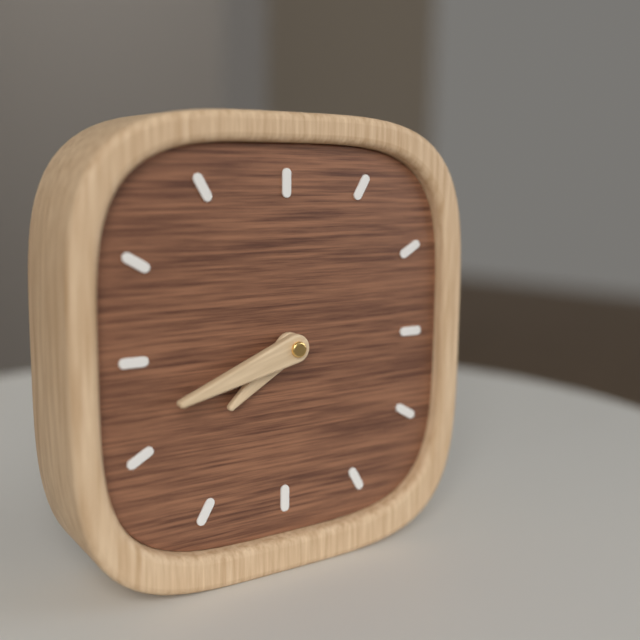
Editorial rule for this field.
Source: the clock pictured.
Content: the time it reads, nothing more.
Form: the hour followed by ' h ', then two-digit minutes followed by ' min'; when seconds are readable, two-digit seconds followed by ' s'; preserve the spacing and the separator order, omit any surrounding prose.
7 h 42 min
